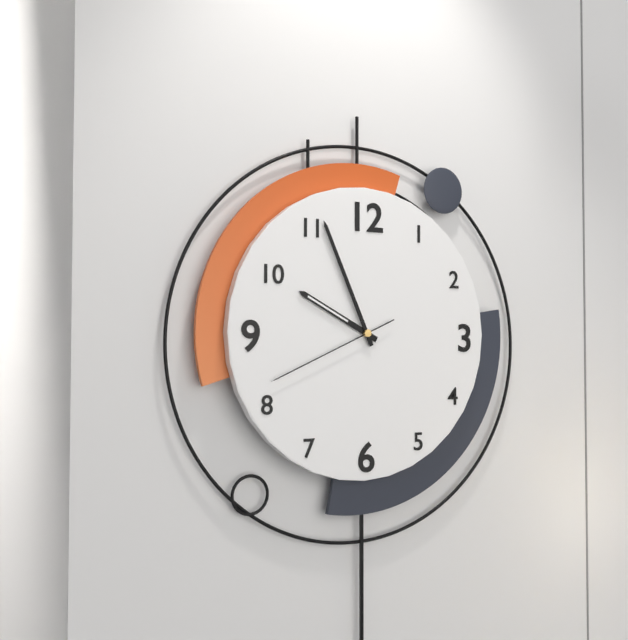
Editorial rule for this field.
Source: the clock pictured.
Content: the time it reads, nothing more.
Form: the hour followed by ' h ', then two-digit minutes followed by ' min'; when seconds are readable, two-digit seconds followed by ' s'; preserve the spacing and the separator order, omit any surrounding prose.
9 h 56 min 41 s
